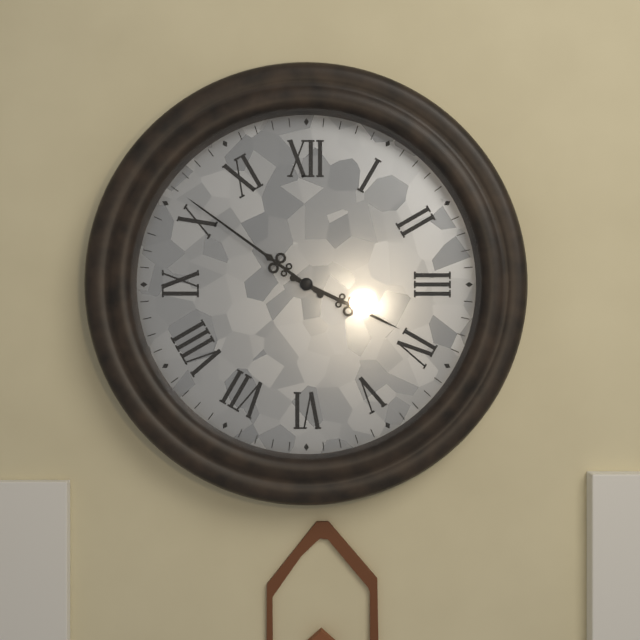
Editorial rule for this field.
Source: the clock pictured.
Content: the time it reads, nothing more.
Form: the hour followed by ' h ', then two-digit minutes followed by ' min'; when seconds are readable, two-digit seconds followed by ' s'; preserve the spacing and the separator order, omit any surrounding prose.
3 h 51 min
